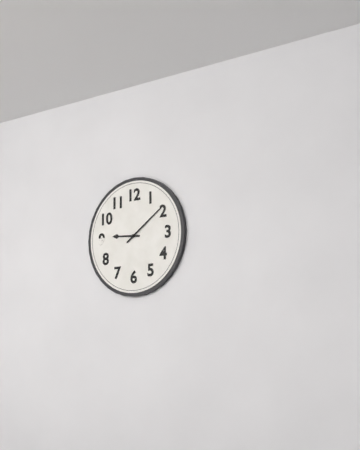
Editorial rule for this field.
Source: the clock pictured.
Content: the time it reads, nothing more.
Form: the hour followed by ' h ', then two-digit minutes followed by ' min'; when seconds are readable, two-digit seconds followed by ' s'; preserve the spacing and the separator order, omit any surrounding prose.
9 h 09 min
